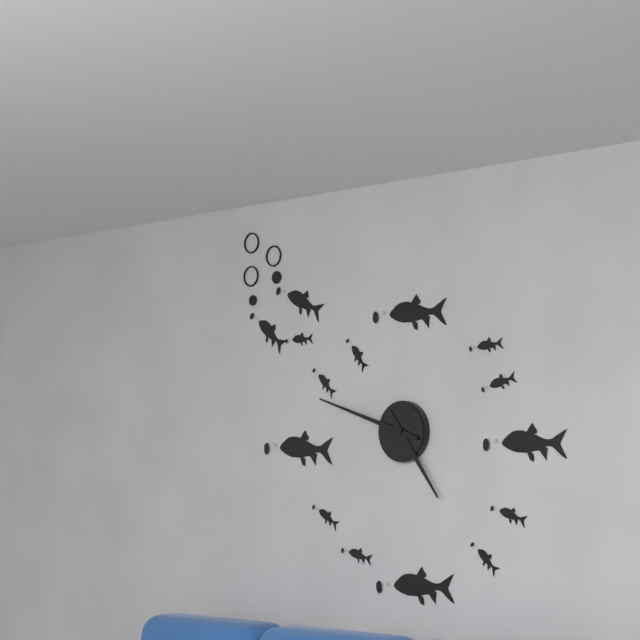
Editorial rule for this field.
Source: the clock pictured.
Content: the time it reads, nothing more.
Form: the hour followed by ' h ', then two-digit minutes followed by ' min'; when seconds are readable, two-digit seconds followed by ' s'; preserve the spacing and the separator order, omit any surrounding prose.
4 h 48 min
